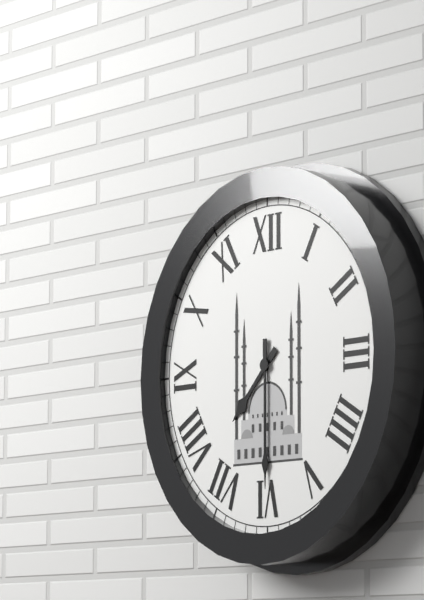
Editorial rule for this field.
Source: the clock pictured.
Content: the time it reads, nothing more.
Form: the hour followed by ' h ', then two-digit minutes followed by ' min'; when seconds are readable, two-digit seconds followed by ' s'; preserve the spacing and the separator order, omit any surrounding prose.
7 h 30 min
